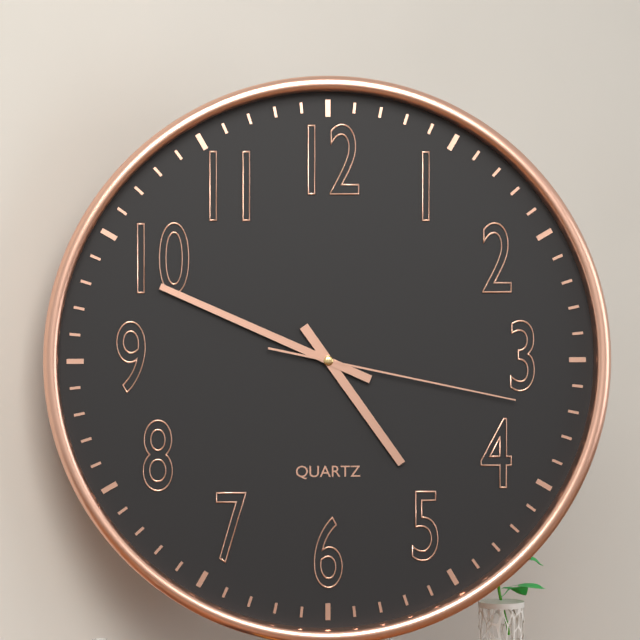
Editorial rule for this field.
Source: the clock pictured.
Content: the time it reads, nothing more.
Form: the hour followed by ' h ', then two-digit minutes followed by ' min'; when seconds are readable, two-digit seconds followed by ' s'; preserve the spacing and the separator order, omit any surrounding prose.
4 h 49 min 17 s
